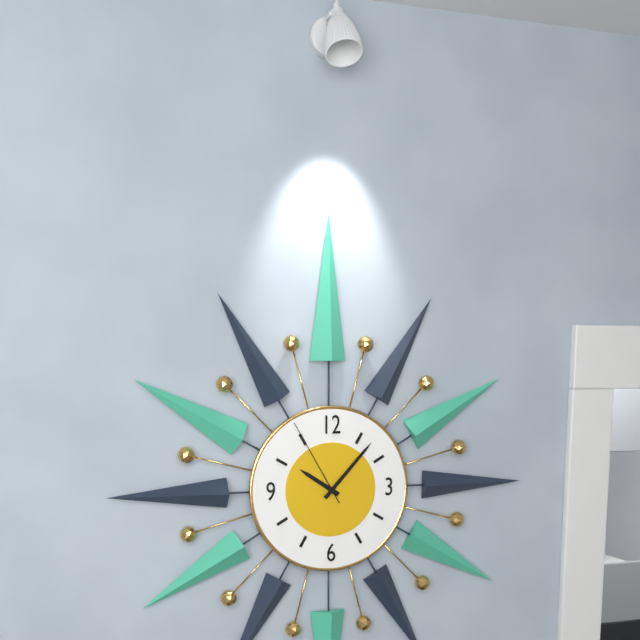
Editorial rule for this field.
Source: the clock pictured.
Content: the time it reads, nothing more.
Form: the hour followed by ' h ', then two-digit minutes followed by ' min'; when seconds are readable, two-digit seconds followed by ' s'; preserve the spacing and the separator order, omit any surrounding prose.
10 h 07 min 55 s
